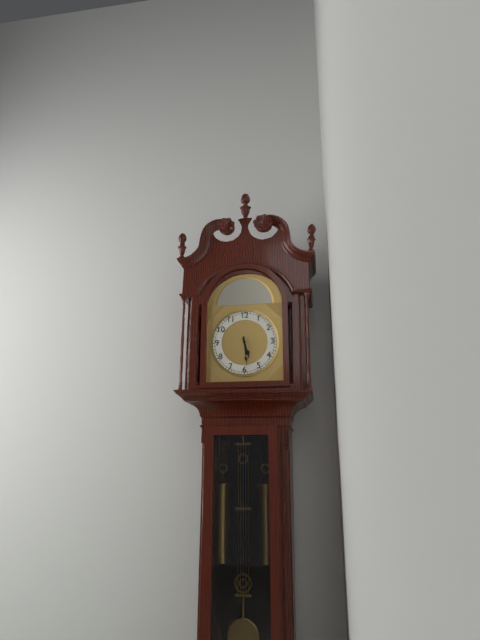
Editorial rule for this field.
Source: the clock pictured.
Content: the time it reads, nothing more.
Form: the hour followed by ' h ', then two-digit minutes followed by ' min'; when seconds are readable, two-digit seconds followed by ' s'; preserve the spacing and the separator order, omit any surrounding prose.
5 h 29 min
